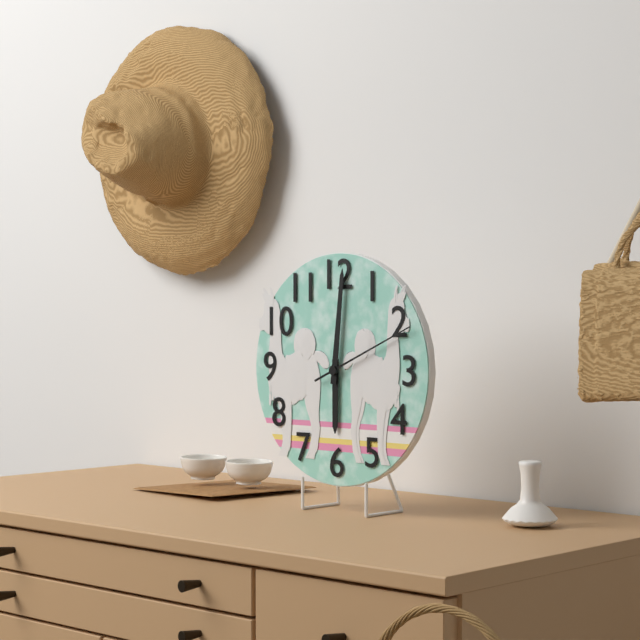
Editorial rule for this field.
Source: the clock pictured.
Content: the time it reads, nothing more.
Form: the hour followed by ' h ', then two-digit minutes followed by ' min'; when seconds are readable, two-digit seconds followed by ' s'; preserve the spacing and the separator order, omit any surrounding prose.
6 h 01 min 11 s
